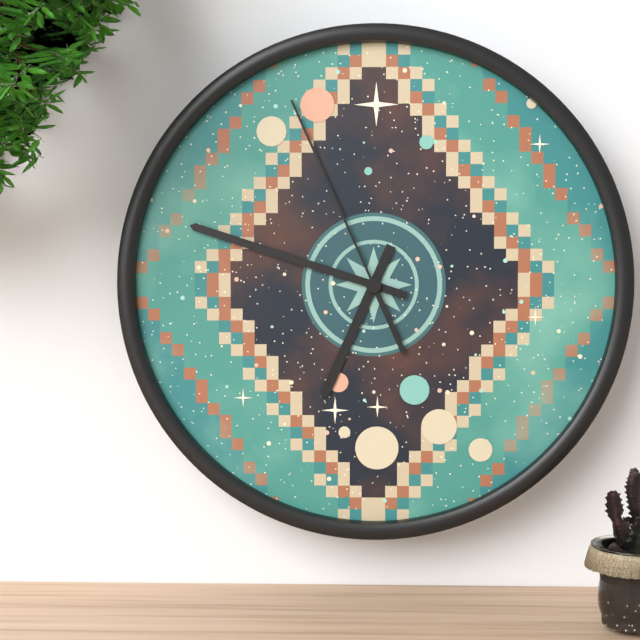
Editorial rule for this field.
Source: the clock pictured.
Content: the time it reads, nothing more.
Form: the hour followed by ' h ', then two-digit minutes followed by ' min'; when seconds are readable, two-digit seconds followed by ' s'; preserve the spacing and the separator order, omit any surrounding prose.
6 h 48 min 56 s
